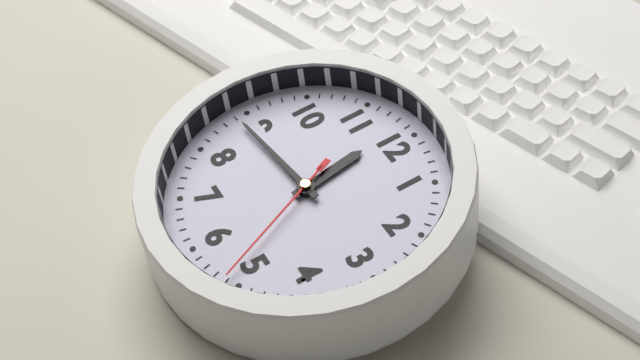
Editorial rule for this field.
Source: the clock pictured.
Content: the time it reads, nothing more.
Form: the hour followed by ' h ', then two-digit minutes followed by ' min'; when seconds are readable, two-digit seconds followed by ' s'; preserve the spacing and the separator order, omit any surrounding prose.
11 h 44 min 26 s
